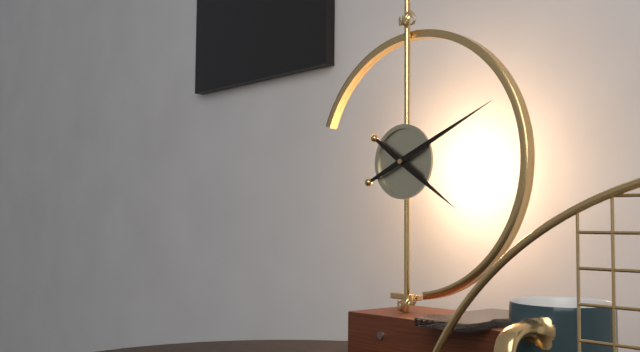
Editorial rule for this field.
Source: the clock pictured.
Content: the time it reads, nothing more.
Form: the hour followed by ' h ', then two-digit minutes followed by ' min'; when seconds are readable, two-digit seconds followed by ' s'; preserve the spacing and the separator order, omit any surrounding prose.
4 h 11 min
